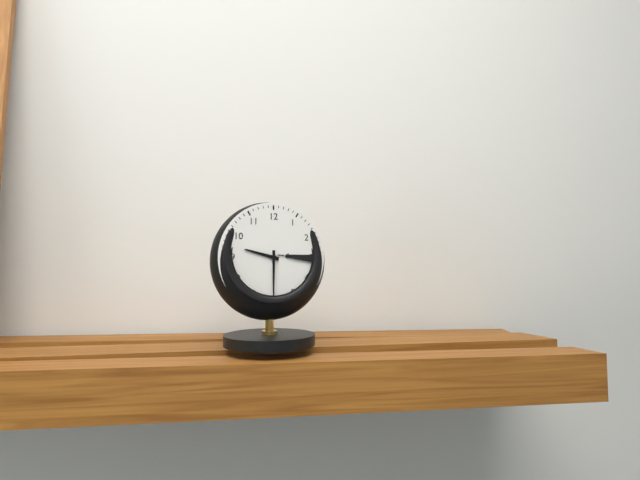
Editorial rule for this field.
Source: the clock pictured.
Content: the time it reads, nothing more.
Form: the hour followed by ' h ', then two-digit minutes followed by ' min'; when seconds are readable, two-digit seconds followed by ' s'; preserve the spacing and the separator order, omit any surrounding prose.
9 h 30 min
